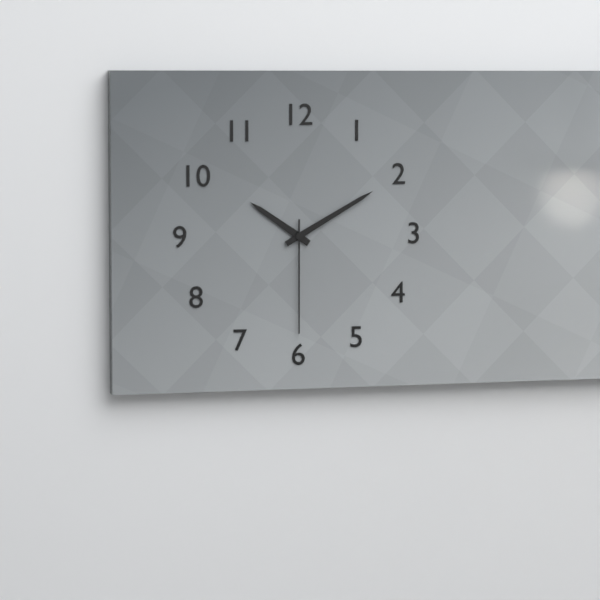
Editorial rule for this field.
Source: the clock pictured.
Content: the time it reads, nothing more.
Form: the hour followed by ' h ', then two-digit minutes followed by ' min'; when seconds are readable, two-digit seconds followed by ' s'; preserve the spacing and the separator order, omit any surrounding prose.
10 h 10 min 30 s
